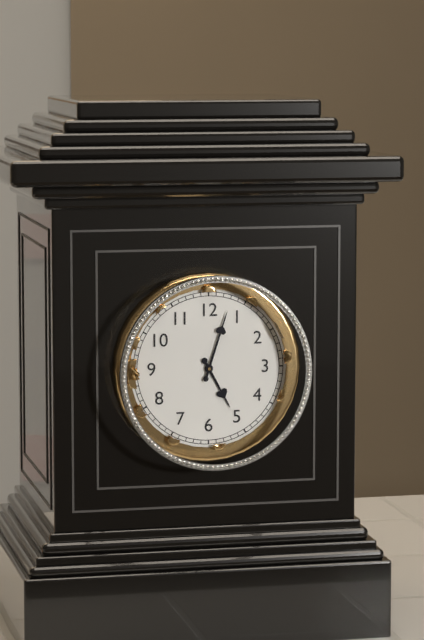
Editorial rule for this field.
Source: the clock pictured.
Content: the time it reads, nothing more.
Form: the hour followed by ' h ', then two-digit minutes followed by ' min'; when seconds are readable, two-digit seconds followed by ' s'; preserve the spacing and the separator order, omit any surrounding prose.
5 h 03 min
